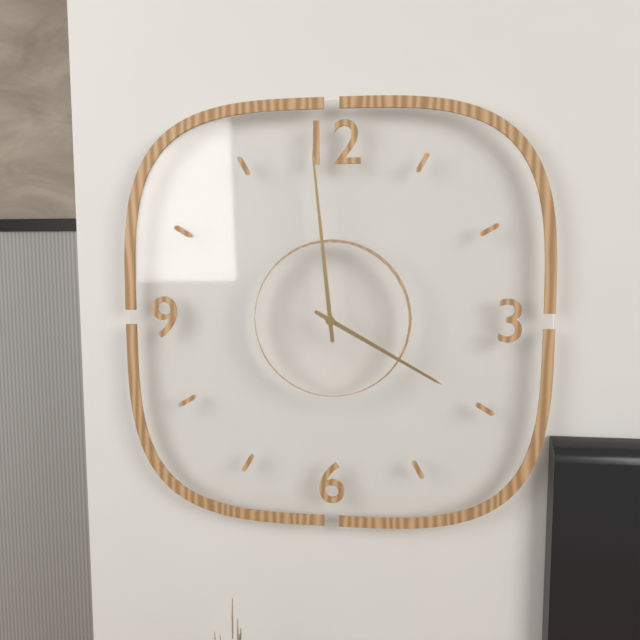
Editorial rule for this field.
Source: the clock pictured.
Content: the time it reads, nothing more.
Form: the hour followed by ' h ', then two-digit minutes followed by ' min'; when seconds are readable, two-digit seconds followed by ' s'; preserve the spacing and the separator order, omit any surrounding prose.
3 h 59 min
